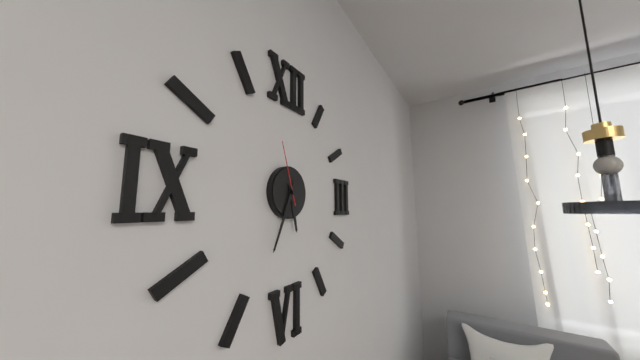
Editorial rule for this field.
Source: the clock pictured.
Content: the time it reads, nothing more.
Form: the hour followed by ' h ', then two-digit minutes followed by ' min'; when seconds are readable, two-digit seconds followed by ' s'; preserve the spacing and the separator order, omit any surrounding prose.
5 h 34 min 57 s
